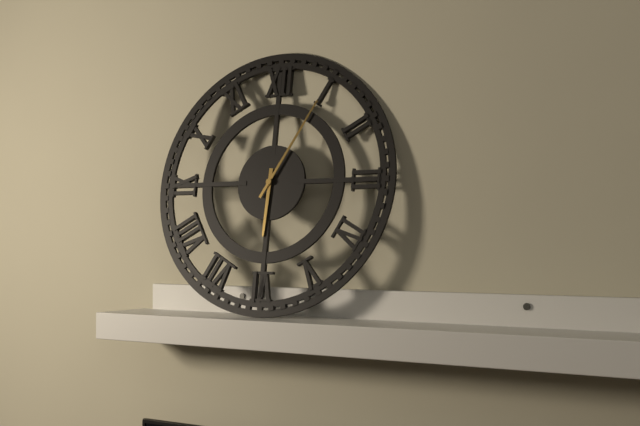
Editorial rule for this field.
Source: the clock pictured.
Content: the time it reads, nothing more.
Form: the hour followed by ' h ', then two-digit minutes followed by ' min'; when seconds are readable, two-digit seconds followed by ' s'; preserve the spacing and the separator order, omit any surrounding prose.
6 h 05 min
